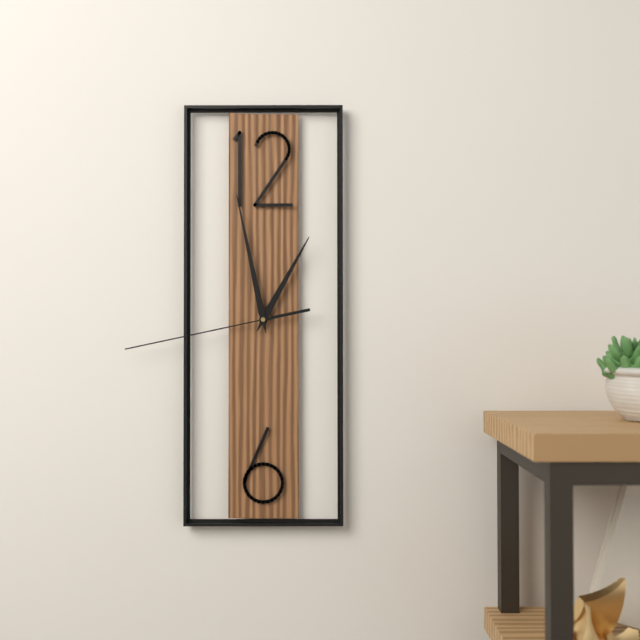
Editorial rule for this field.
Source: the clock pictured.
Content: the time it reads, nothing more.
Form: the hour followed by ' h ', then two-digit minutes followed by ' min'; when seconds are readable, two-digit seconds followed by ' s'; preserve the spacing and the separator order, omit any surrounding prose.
12 h 58 min 43 s
